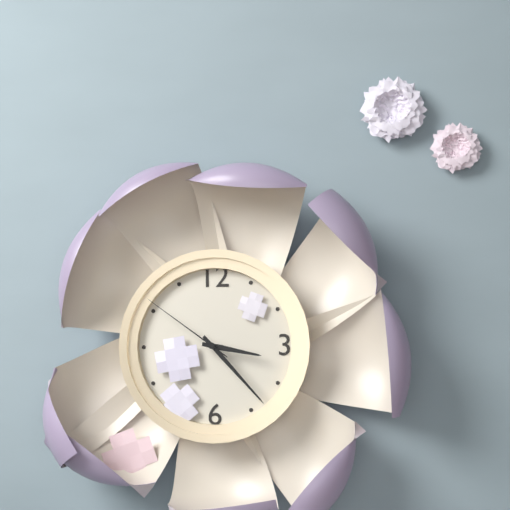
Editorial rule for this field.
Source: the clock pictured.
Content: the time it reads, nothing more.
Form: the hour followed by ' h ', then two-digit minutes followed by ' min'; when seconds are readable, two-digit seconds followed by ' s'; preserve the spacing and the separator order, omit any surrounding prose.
3 h 23 min 51 s
